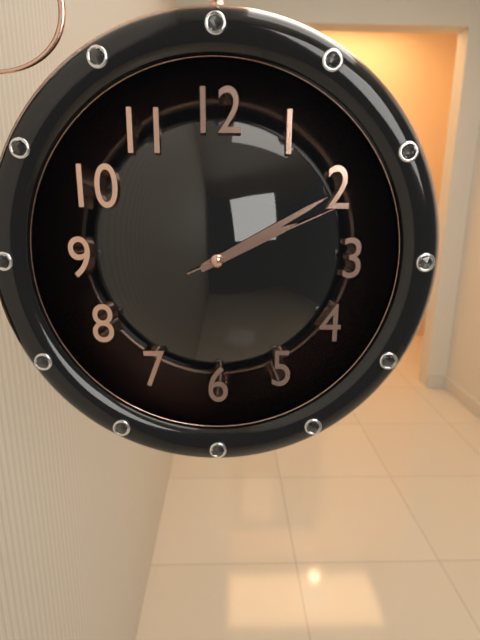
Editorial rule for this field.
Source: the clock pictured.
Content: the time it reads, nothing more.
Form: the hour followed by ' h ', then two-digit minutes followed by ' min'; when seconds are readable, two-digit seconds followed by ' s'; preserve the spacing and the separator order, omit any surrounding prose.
2 h 10 min 11 s
